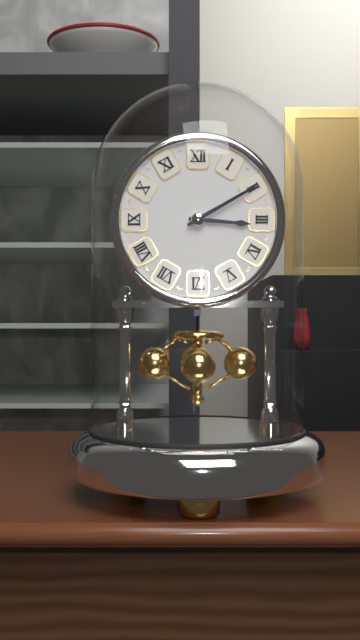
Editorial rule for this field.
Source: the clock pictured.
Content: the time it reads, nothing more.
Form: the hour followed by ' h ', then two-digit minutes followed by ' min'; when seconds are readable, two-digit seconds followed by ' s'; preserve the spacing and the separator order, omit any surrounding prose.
3 h 10 min
